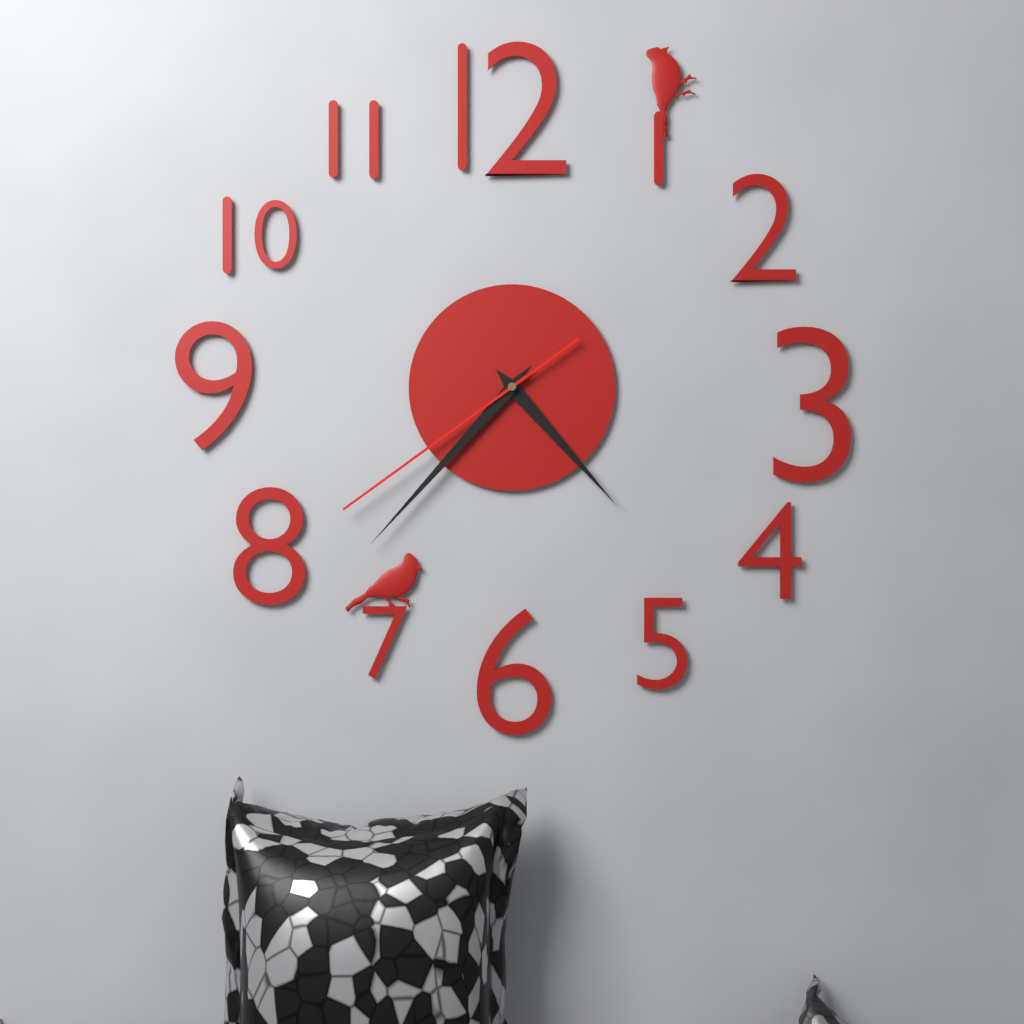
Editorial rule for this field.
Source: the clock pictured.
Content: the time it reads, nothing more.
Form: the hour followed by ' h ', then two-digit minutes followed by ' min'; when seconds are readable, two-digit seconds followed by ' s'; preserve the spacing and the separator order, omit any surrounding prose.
4 h 37 min 39 s
